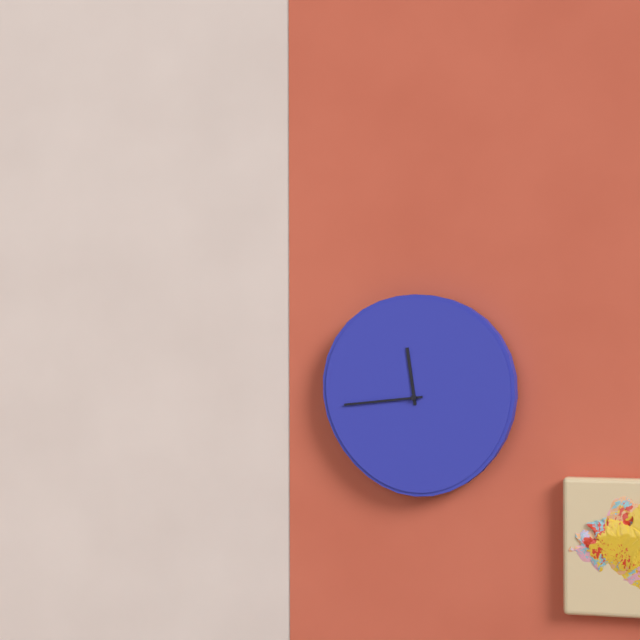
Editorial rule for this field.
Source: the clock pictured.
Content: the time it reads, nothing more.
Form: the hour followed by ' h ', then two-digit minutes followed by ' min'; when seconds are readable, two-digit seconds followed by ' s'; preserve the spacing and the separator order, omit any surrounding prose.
11 h 44 min
